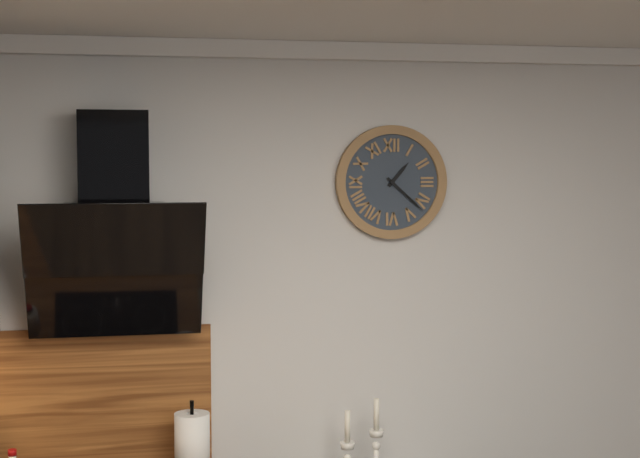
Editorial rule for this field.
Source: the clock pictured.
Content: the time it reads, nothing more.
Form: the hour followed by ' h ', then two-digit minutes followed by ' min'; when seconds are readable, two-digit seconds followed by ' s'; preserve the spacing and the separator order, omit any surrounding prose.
1 h 22 min
